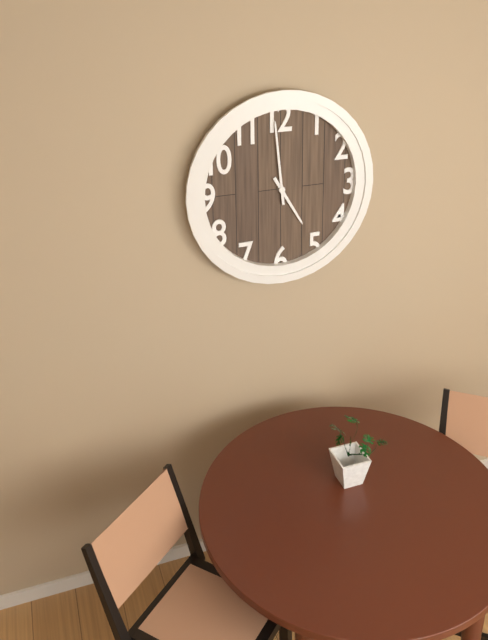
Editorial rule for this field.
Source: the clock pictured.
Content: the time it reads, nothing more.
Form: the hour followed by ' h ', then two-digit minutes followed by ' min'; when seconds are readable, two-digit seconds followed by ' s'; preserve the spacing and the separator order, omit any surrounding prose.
4 h 59 min
